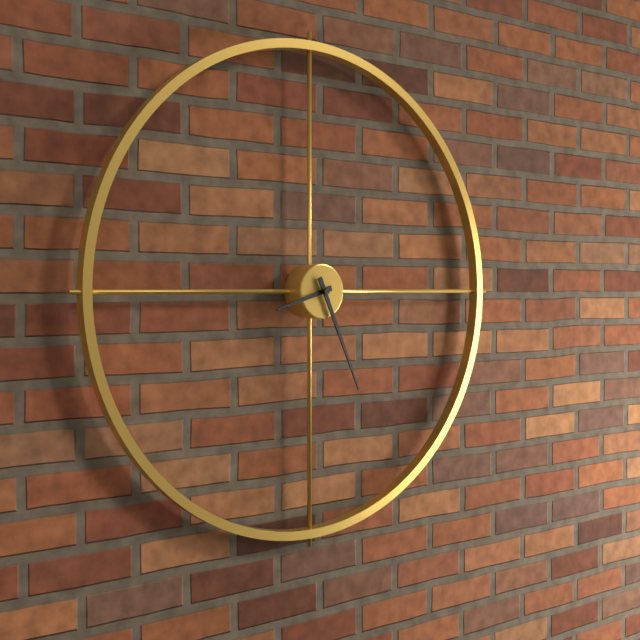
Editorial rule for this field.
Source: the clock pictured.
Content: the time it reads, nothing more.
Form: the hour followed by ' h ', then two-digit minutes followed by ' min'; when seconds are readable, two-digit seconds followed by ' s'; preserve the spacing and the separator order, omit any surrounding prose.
8 h 26 min
